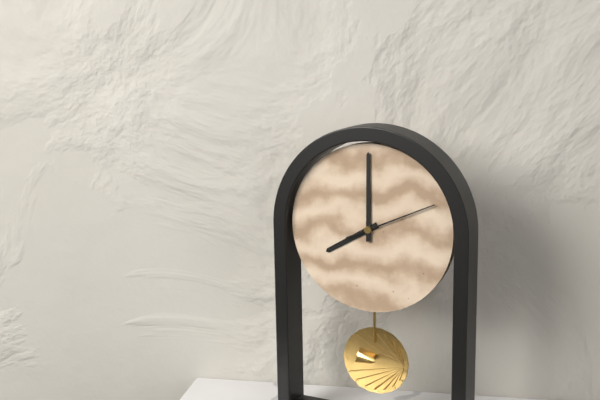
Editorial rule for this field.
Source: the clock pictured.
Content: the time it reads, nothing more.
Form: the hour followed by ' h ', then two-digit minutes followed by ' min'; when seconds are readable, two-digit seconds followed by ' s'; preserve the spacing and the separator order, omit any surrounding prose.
8 h 00 min 11 s
